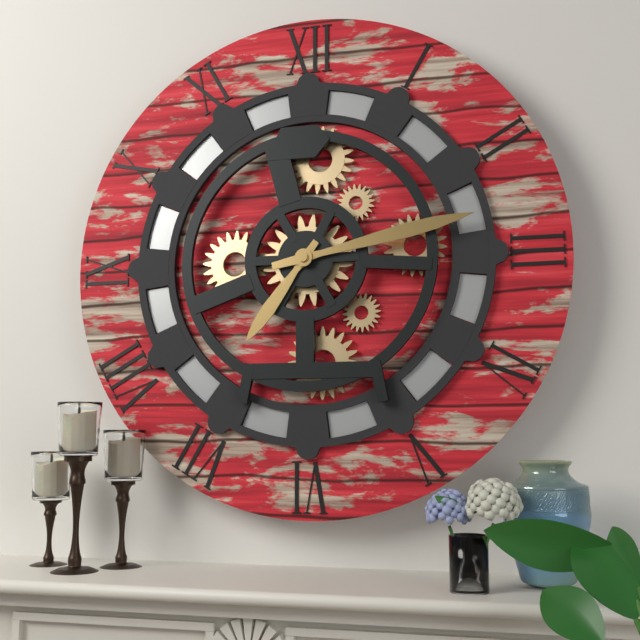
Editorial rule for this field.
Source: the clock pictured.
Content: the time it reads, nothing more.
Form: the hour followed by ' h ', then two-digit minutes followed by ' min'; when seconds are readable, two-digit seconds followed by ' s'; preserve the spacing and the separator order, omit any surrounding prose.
7 h 13 min
